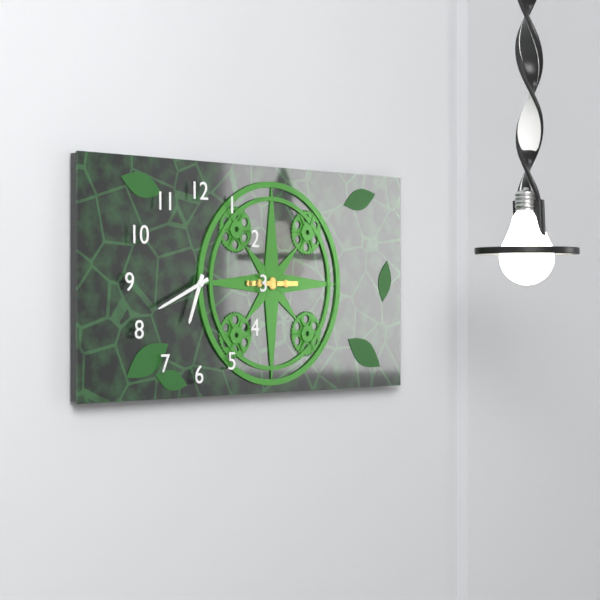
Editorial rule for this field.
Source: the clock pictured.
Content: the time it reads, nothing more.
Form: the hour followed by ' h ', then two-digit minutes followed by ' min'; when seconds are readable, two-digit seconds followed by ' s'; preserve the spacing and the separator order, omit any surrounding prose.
6 h 41 min
